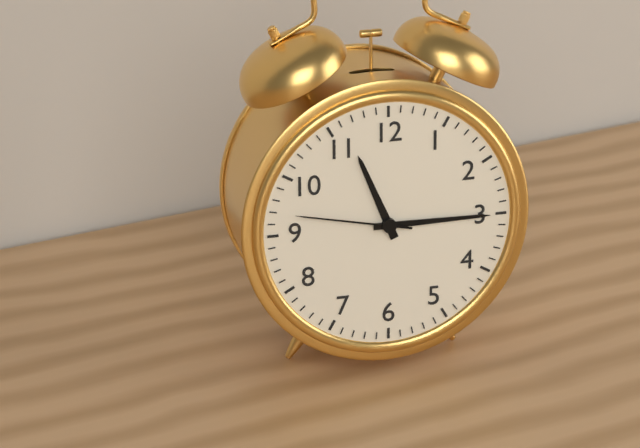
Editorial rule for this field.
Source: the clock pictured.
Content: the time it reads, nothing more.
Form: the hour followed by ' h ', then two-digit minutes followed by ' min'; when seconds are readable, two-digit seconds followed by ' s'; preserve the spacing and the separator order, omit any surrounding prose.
11 h 15 min 47 s
